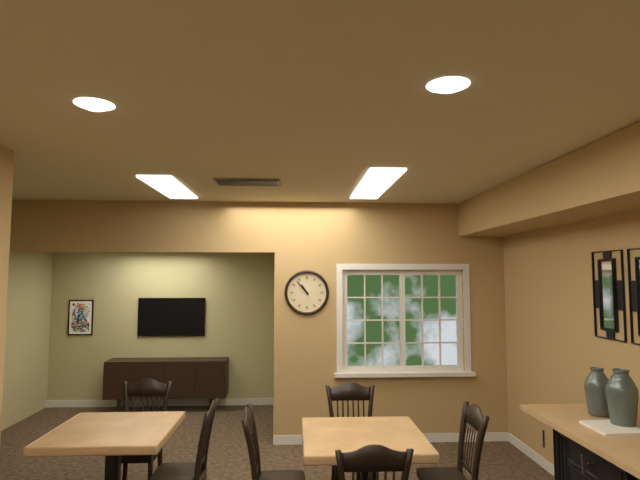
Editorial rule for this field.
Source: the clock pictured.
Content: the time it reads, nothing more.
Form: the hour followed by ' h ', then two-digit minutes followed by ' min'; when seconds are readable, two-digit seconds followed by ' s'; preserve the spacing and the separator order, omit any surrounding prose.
10 h 53 min
